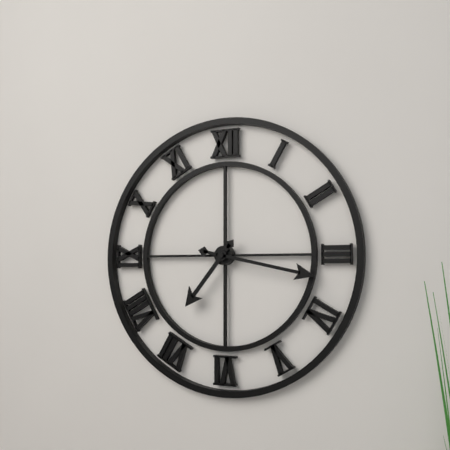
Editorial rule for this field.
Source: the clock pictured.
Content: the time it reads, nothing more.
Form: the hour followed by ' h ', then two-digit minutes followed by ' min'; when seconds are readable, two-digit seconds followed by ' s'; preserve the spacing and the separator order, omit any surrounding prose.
7 h 17 min
